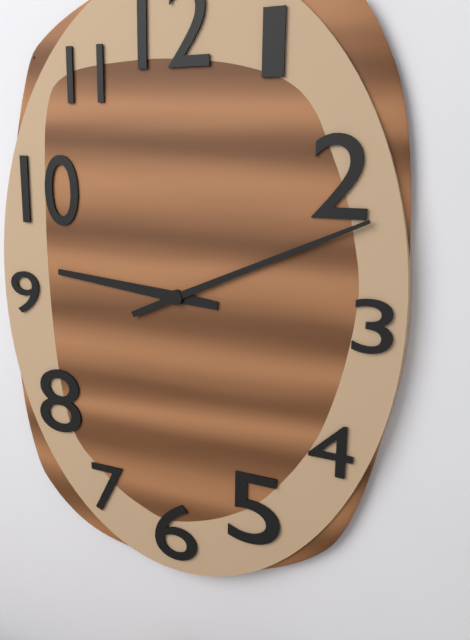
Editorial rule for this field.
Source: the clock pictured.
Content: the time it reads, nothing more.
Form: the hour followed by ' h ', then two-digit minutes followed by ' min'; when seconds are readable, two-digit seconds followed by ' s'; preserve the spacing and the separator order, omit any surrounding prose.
9 h 11 min
